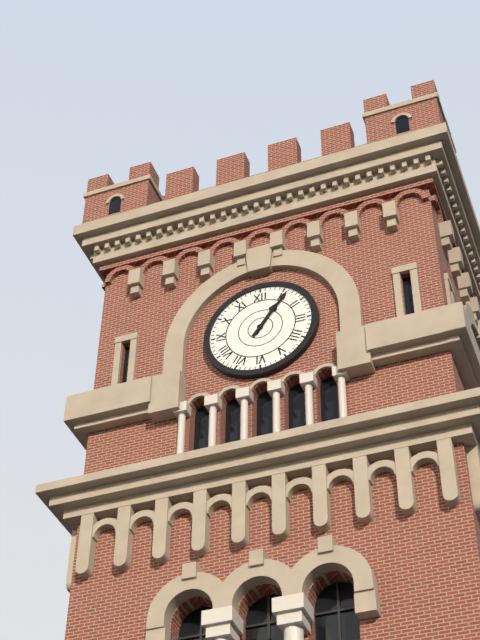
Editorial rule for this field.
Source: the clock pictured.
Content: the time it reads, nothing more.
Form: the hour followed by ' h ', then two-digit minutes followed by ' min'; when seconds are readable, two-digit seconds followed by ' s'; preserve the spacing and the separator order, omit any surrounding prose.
1 h 06 min
